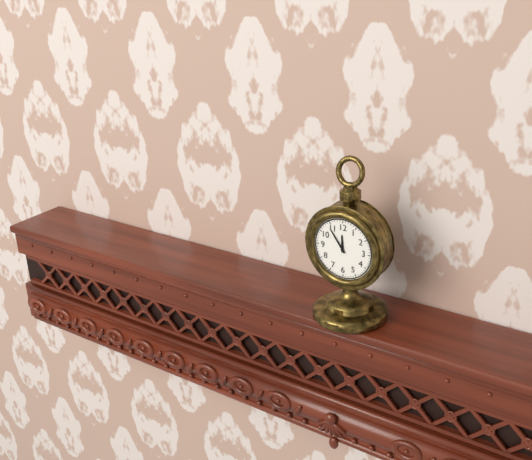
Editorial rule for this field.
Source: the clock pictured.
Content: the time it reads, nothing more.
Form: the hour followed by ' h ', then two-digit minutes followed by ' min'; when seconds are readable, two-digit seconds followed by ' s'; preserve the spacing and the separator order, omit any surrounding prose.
11 h 54 min
